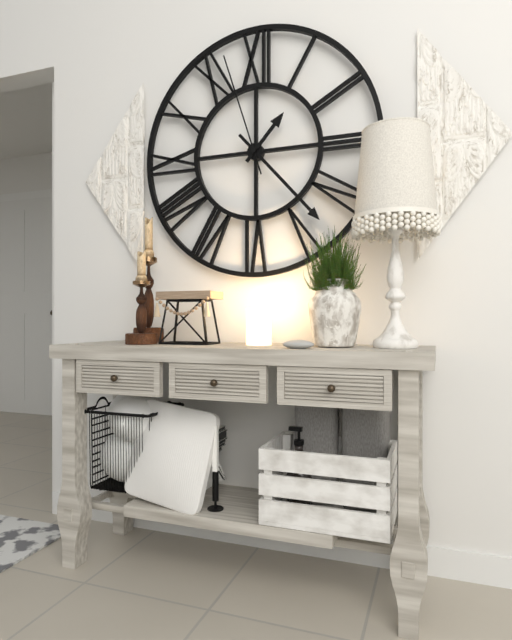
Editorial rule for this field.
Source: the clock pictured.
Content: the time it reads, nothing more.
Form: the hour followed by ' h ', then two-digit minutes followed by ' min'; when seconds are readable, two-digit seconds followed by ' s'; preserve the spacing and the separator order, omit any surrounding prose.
1 h 23 min 57 s
